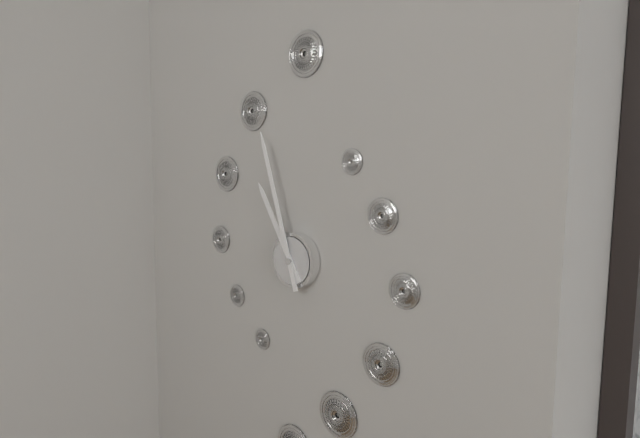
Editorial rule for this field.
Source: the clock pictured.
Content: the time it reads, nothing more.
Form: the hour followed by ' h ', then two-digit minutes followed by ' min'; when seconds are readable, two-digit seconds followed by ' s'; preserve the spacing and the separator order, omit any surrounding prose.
10 h 57 min
